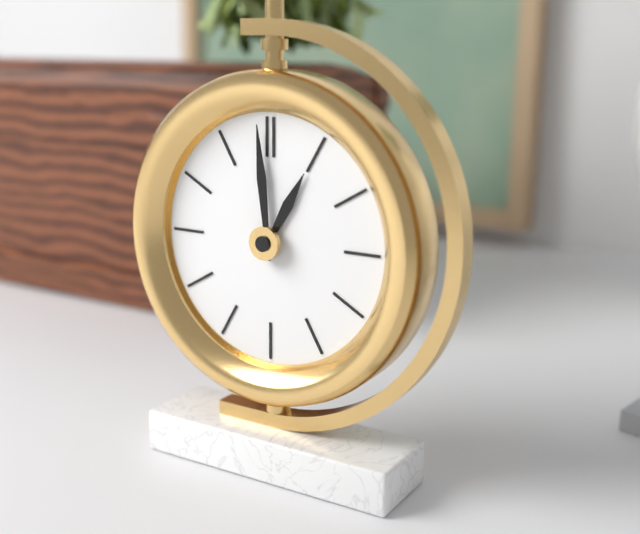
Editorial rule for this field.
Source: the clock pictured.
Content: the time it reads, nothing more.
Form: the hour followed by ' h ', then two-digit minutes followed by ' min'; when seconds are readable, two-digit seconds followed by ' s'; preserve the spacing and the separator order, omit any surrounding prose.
12 h 59 min
